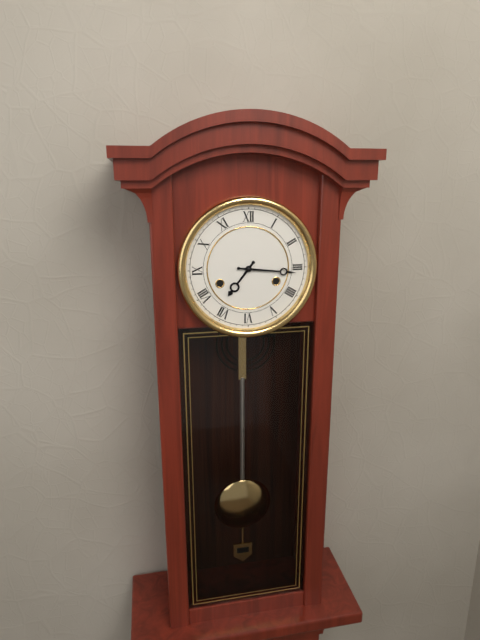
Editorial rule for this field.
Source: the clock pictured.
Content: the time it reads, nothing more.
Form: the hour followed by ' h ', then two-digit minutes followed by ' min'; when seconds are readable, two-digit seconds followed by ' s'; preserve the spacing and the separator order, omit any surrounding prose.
7 h 16 min
